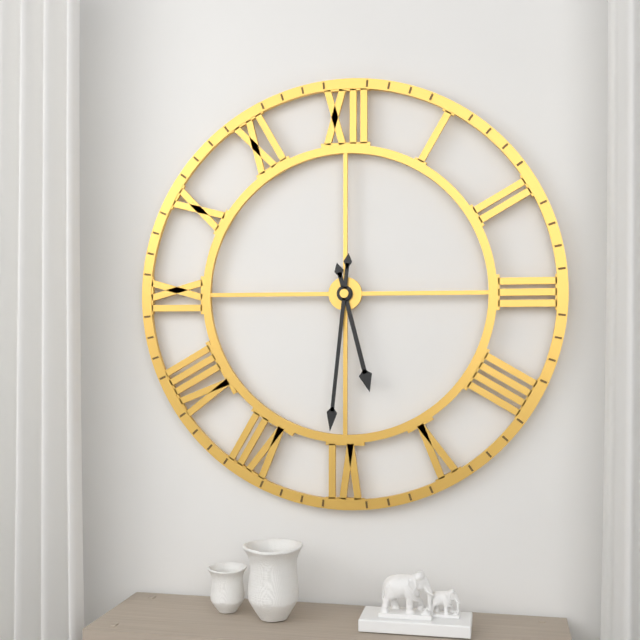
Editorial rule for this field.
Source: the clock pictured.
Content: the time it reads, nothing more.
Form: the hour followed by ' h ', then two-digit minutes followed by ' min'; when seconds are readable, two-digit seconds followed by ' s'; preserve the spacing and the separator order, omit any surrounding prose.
5 h 31 min
